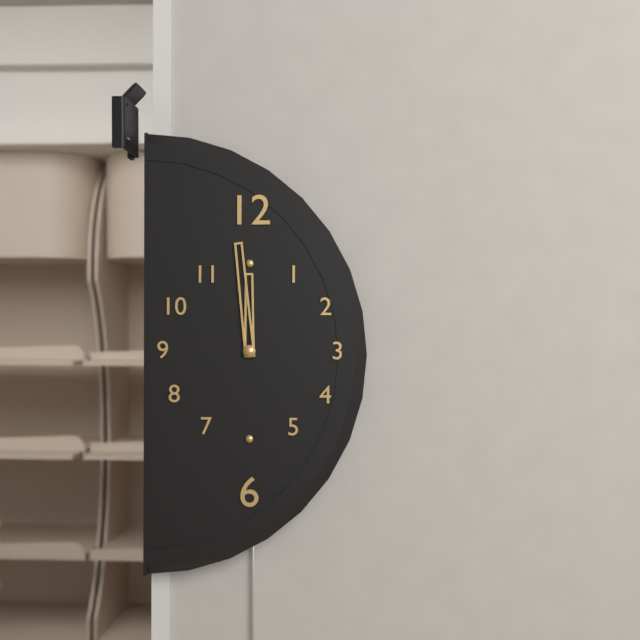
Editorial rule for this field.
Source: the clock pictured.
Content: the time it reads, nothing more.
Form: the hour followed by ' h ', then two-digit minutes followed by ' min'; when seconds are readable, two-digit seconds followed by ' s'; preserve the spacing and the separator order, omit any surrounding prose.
11 h 59 min
